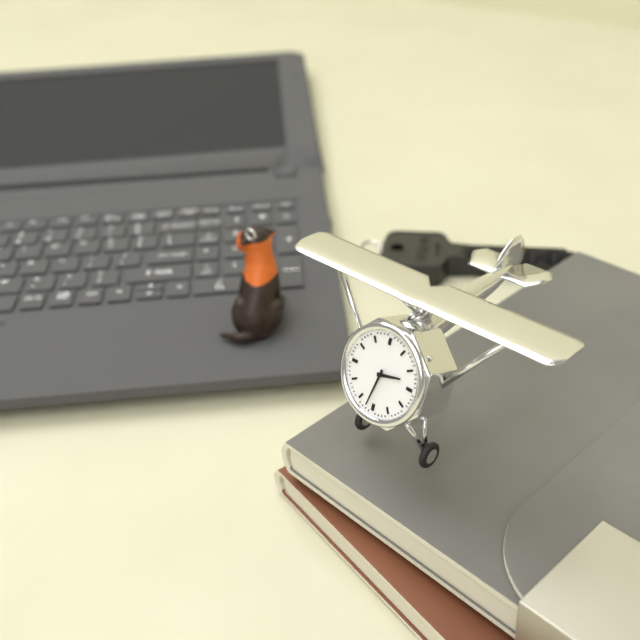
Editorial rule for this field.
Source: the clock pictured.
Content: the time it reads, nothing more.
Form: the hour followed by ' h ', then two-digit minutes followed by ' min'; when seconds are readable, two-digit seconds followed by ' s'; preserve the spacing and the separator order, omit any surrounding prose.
2 h 32 min
